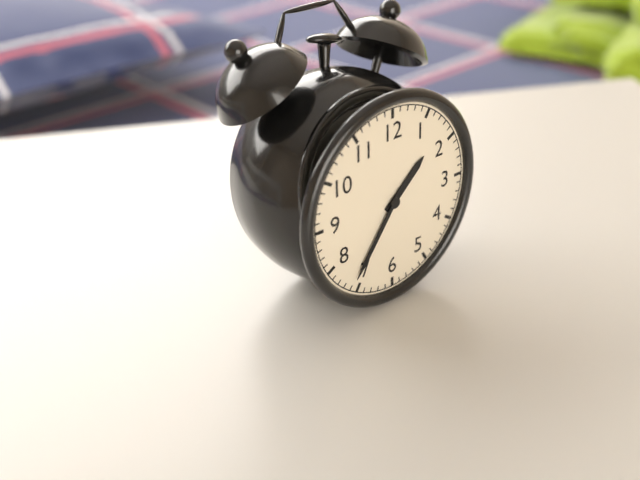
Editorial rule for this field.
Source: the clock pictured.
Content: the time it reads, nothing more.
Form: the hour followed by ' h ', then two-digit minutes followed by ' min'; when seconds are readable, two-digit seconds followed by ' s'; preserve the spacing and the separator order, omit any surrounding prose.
1 h 36 min
